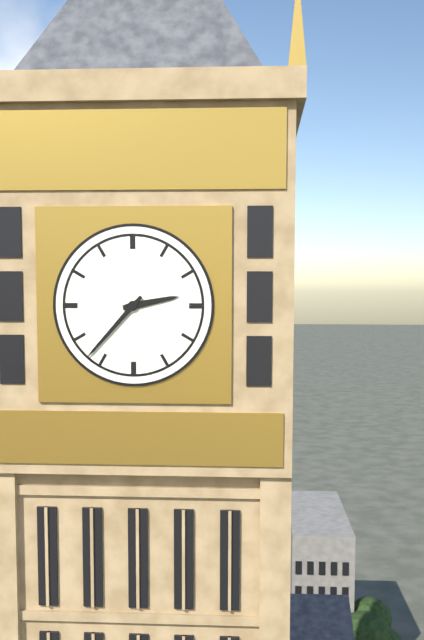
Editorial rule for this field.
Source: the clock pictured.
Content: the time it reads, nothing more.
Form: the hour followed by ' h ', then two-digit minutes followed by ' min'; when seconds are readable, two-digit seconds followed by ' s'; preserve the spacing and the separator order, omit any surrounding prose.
2 h 37 min
